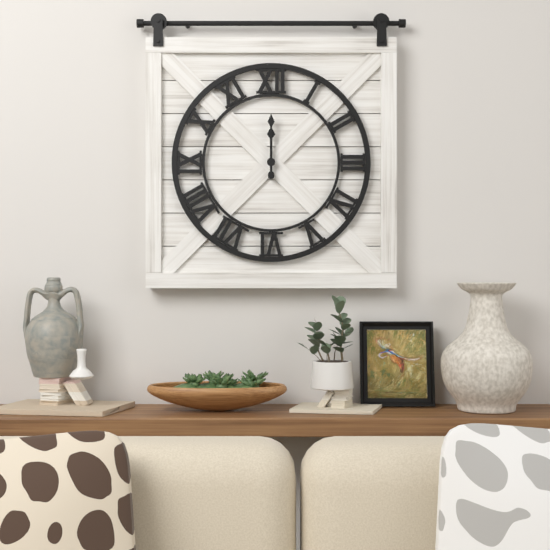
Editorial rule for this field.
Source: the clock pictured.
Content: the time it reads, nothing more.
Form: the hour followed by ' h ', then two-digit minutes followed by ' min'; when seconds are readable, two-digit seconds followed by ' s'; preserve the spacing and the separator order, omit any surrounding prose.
12 h 00 min
